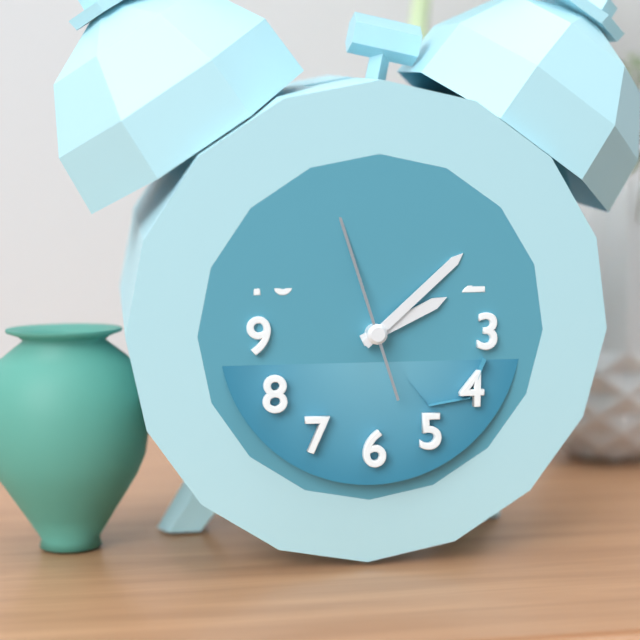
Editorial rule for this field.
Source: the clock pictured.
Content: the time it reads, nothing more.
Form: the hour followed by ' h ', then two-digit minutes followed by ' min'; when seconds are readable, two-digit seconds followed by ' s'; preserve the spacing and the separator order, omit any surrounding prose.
2 h 08 min 57 s
